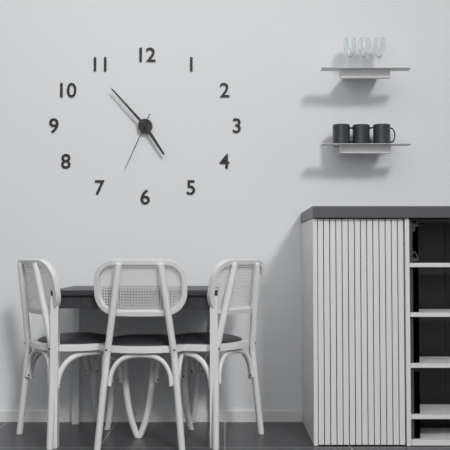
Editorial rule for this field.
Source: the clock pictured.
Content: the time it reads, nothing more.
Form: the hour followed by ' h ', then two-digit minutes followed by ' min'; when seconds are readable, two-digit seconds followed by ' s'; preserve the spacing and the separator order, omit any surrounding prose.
4 h 53 min 34 s
